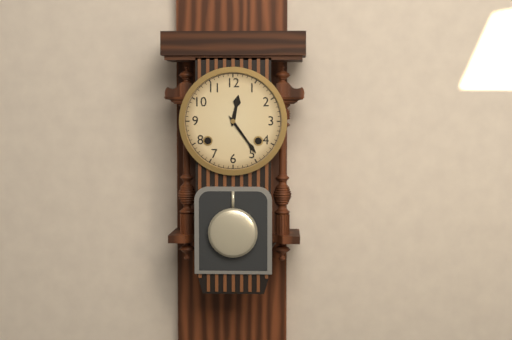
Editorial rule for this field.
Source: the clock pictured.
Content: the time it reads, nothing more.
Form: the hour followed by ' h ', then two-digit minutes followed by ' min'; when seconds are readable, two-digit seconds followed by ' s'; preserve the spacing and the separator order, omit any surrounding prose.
12 h 24 min
